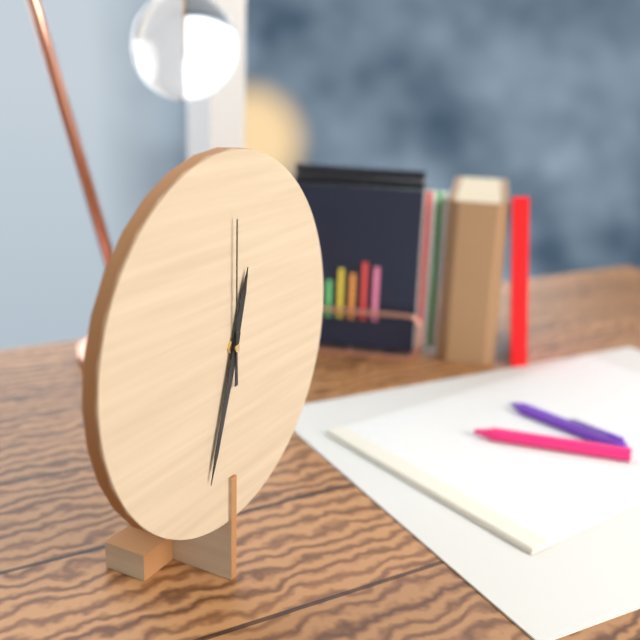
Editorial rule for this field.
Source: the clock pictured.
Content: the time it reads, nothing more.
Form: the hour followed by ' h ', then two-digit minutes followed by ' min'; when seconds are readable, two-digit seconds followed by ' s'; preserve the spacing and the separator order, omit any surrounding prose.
12 h 33 min 00 s
